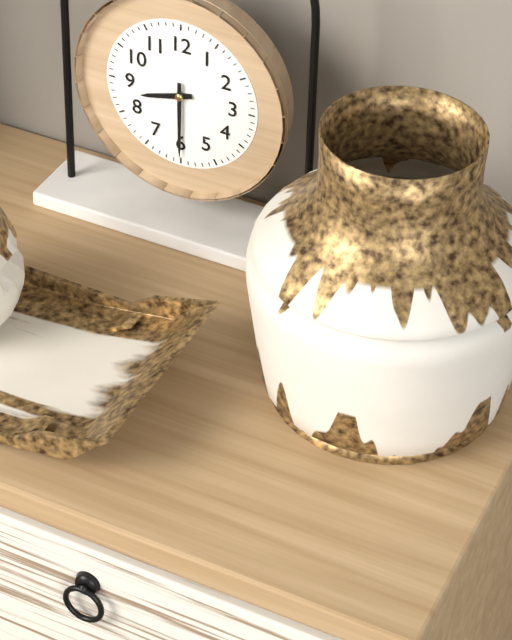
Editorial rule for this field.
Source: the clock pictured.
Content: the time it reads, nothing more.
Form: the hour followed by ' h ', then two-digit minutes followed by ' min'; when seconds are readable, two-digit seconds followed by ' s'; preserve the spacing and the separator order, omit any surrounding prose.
8 h 30 min
